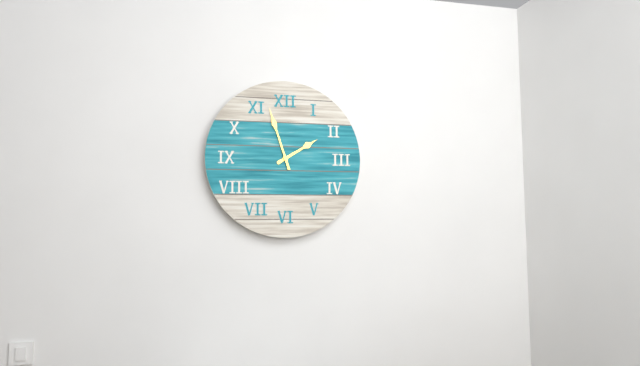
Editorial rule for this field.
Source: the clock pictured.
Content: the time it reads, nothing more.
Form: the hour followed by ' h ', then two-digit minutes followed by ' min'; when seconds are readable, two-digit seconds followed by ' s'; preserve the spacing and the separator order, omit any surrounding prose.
1 h 57 min
